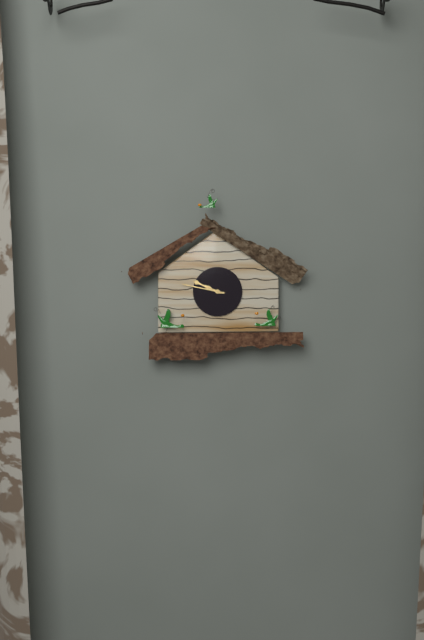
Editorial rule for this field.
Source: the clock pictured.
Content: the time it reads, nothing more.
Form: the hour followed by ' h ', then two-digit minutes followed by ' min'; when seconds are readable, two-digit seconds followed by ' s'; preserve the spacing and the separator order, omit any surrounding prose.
9 h 47 min
